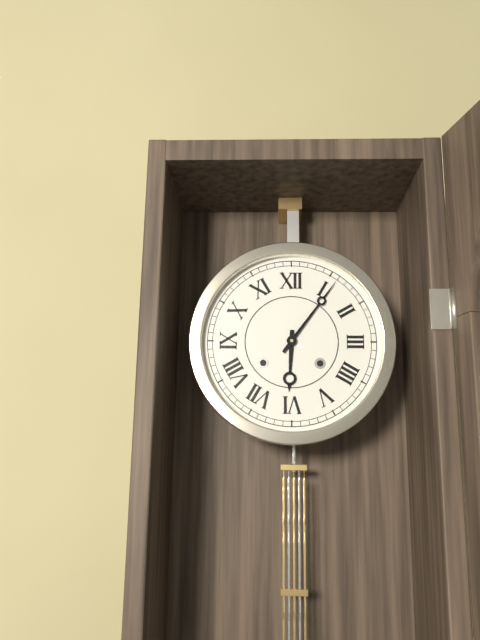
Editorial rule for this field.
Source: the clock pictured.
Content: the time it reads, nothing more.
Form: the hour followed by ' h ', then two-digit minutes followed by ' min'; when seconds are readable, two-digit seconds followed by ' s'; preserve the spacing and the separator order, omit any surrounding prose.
6 h 06 min
